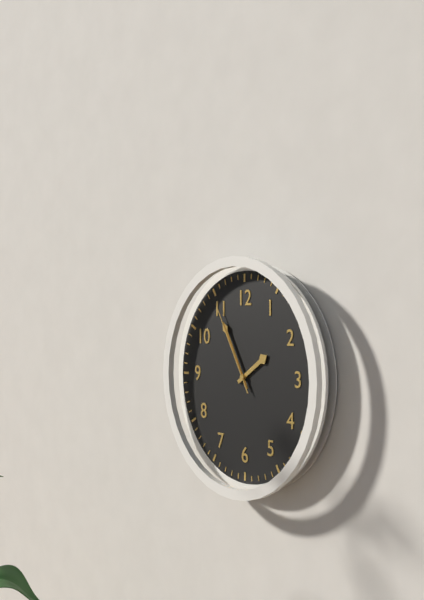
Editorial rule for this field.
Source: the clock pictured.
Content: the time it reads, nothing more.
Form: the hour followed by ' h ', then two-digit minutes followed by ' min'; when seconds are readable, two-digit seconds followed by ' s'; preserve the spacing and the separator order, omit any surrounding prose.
1 h 55 min 55 s
